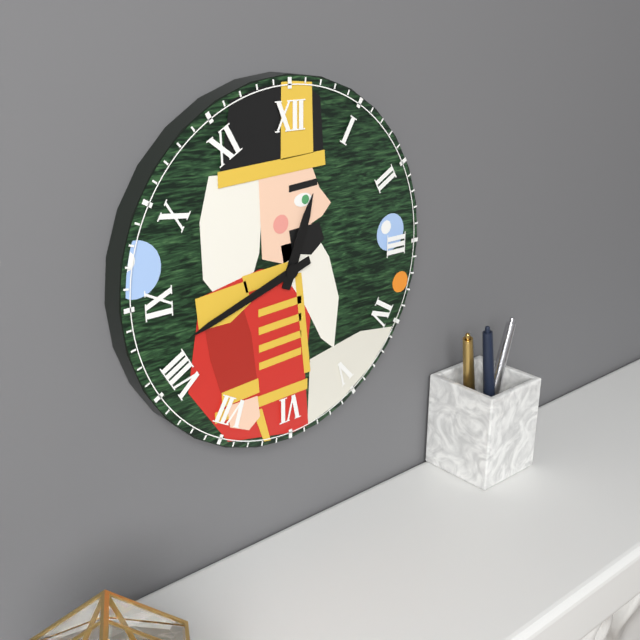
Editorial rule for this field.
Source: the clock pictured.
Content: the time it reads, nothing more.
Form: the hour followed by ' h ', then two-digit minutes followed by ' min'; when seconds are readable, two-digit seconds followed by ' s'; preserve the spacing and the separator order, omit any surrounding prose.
12 h 42 min
